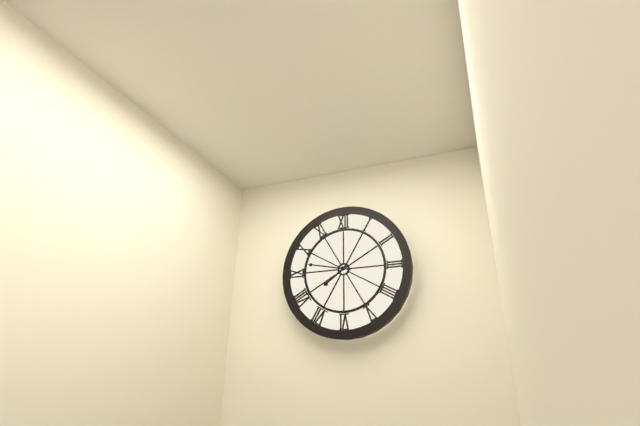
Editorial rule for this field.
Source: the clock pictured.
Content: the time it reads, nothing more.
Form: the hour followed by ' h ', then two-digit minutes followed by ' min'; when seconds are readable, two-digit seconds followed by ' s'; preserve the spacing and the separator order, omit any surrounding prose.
7 h 47 min
